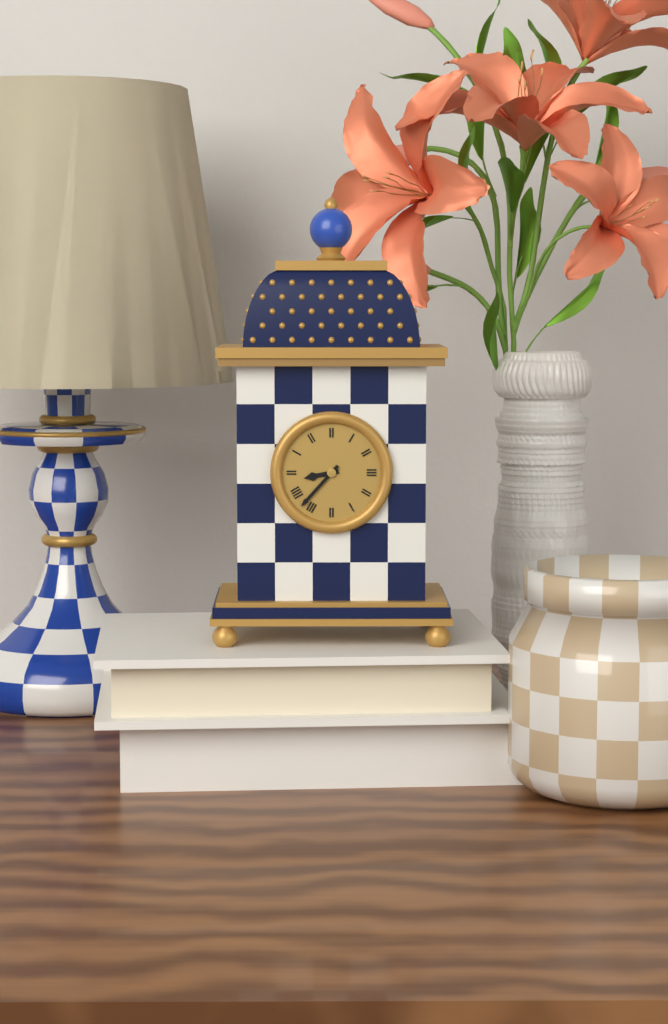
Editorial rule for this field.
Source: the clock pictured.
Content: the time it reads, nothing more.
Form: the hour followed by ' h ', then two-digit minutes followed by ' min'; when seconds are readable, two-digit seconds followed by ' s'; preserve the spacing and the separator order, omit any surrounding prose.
8 h 37 min
